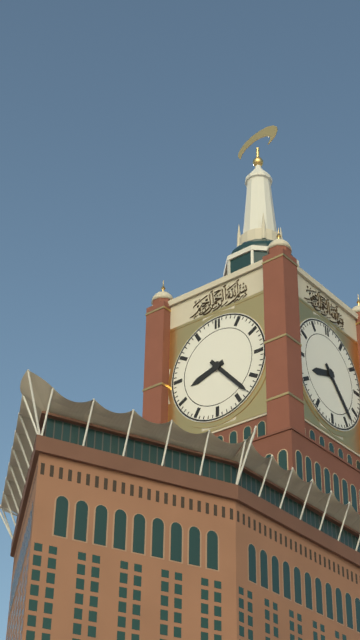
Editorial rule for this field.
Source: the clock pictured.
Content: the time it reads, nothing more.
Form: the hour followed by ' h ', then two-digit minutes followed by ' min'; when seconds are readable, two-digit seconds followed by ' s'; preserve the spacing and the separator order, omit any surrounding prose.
8 h 23 min
